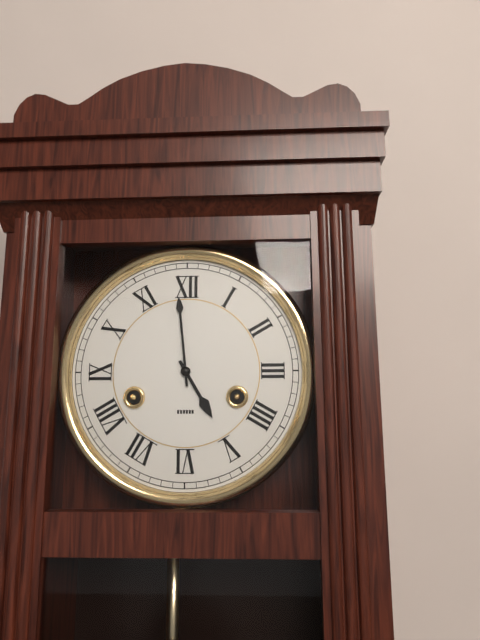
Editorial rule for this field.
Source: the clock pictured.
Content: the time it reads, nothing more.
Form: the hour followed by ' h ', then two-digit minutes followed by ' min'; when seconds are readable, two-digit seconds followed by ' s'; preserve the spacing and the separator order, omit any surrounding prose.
4 h 59 min
